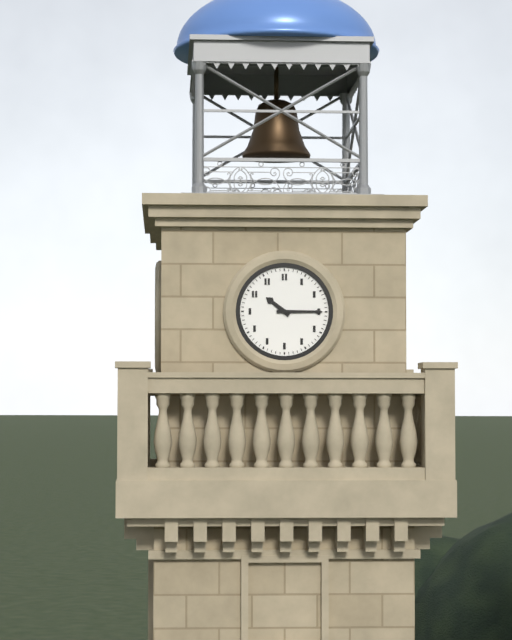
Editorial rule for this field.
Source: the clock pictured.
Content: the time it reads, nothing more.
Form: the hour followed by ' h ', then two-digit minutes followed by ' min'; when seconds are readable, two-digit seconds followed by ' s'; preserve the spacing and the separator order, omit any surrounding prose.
10 h 15 min
